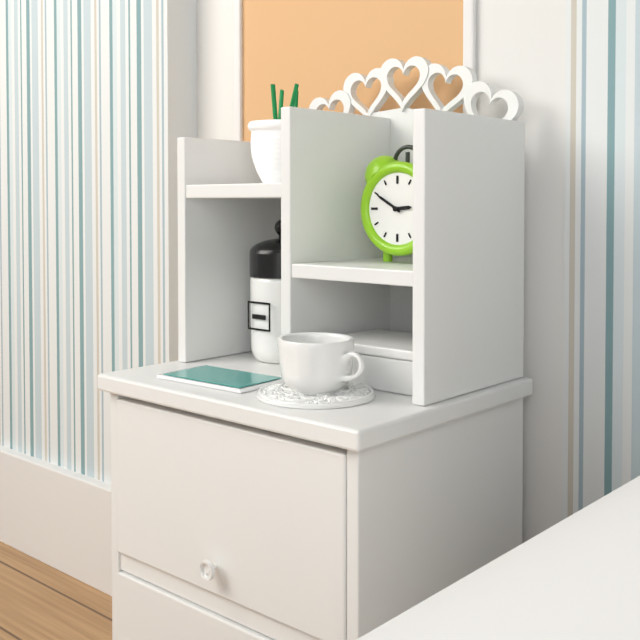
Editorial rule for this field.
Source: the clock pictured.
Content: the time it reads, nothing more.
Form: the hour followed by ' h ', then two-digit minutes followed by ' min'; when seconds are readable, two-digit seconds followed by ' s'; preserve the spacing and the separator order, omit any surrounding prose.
2 h 50 min
